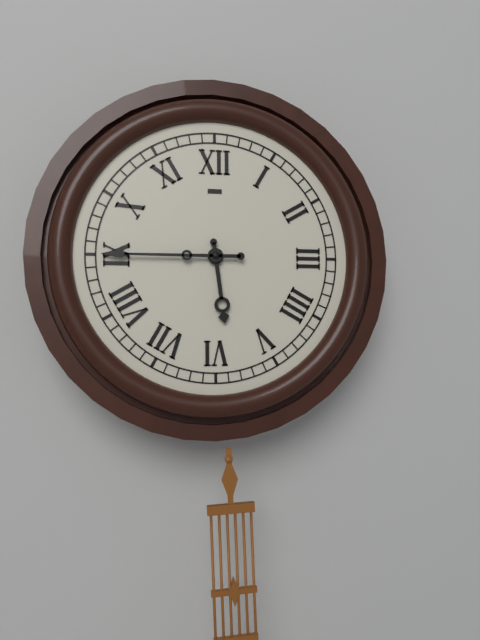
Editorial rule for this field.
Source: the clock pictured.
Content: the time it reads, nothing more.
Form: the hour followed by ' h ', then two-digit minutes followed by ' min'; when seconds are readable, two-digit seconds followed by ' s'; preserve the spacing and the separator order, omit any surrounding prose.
5 h 45 min
